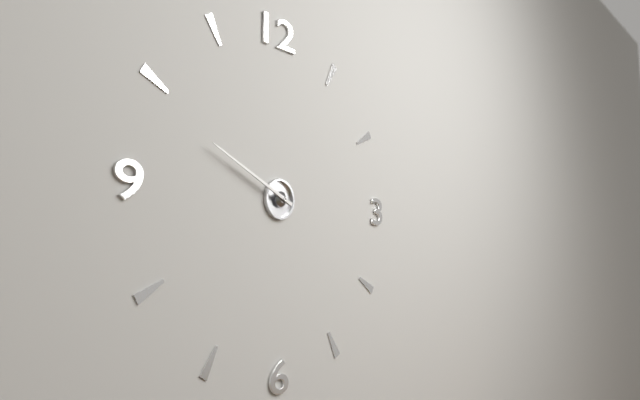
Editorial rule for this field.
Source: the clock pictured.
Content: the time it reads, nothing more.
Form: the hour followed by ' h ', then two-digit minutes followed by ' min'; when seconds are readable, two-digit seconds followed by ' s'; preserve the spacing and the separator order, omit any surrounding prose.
9 h 49 min
